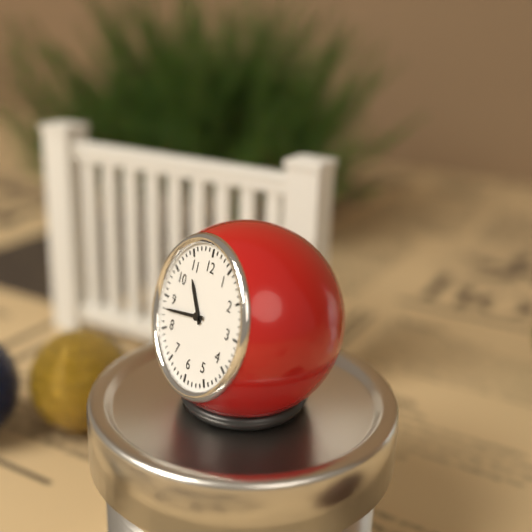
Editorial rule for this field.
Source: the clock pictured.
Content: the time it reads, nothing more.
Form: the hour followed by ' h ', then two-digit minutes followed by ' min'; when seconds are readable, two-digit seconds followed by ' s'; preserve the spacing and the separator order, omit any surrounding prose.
10 h 43 min
